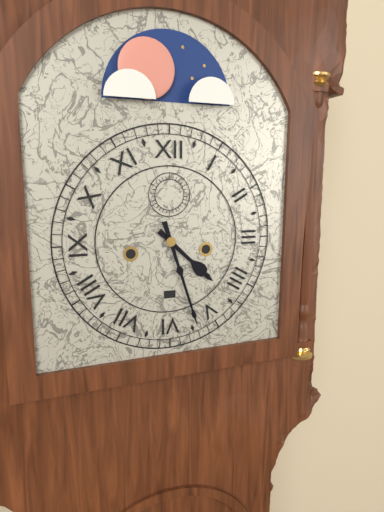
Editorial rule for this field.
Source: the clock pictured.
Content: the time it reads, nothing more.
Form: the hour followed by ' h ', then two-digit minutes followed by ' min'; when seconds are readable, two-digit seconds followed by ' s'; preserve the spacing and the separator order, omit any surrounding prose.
4 h 27 min
